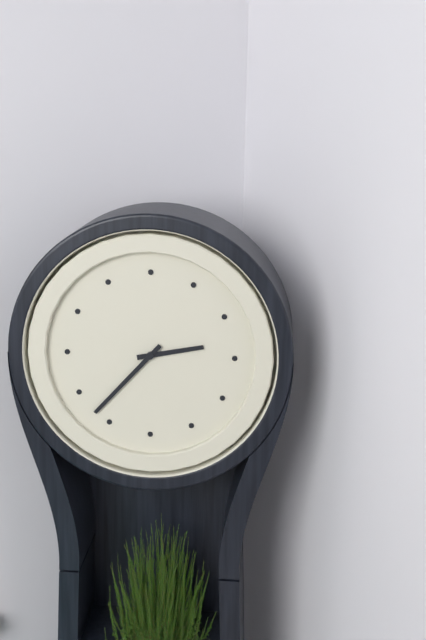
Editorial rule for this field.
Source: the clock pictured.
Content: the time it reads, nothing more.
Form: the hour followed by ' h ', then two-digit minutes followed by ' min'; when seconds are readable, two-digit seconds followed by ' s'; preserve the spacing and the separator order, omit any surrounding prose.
2 h 37 min
